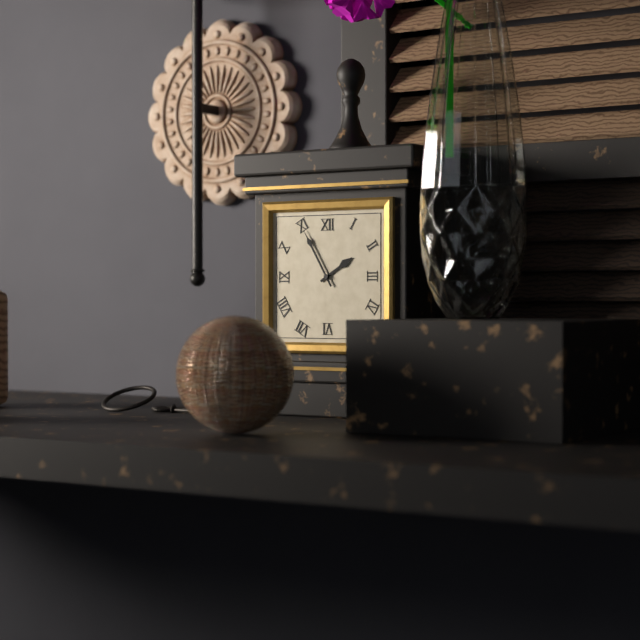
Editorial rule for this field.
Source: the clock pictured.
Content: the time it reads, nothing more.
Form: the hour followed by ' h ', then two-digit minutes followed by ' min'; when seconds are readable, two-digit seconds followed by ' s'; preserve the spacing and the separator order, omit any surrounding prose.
1 h 55 min
